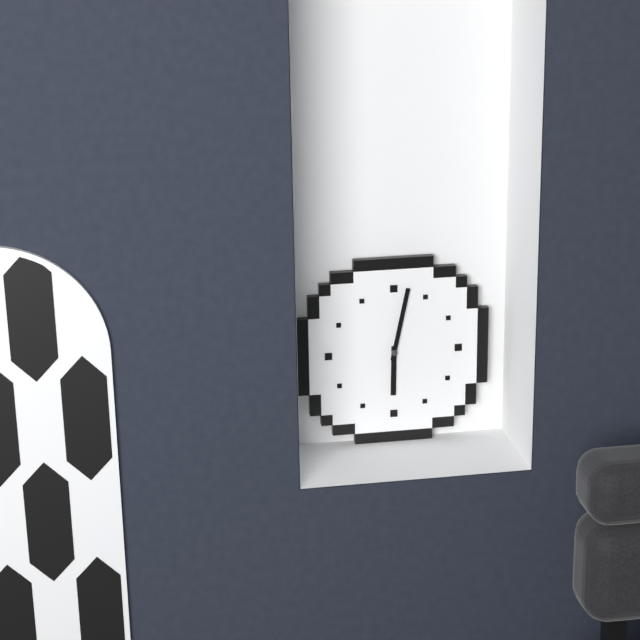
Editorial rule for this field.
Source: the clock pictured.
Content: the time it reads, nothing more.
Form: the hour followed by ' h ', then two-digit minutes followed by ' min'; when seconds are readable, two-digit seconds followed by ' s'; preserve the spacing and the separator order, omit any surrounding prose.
6 h 02 min
